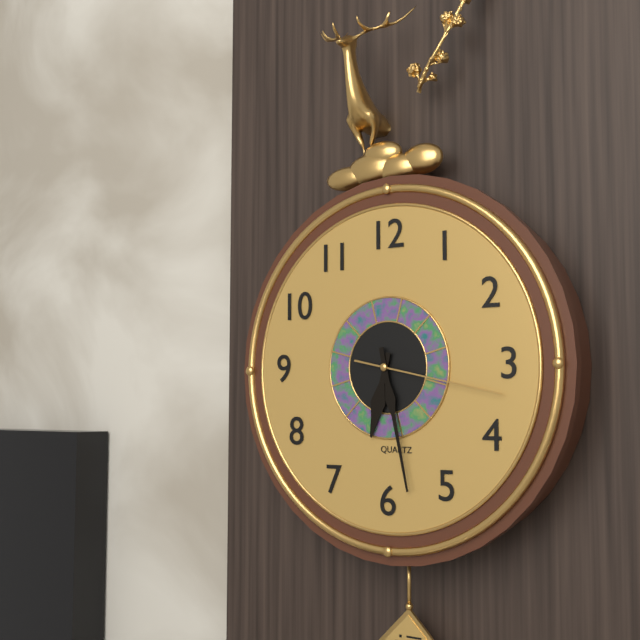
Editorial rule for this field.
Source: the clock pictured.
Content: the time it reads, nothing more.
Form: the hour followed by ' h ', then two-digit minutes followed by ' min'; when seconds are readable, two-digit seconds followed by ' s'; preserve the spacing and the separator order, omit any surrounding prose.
6 h 28 min 17 s
